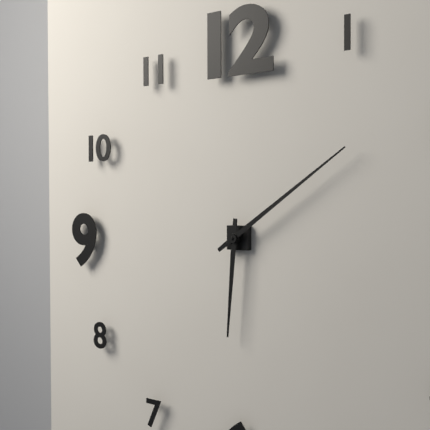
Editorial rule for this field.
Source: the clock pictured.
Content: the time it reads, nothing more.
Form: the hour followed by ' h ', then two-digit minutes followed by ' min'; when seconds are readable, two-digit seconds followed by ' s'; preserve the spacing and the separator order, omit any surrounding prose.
6 h 09 min
